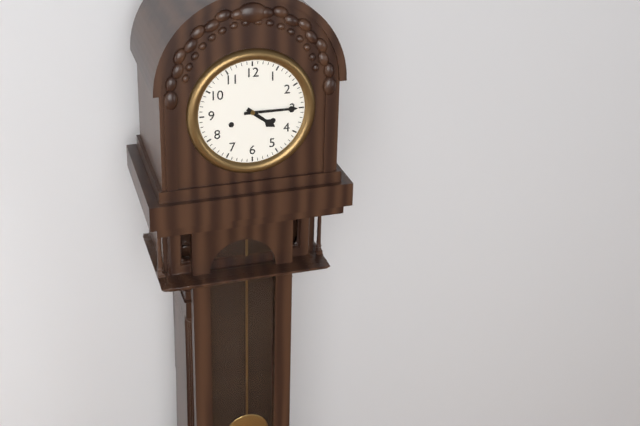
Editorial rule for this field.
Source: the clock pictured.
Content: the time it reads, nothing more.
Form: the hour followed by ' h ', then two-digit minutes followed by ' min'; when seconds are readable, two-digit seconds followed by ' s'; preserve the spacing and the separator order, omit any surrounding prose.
4 h 15 min
